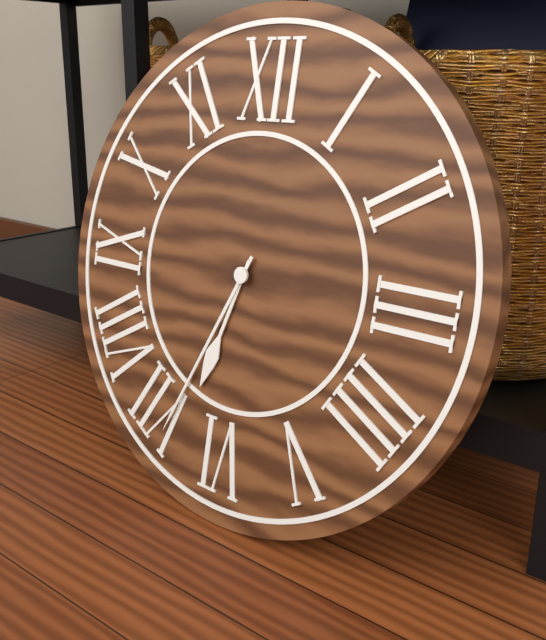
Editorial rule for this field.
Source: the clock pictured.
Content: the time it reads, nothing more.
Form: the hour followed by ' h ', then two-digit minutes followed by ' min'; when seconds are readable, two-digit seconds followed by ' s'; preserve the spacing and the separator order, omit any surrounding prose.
6 h 34 min
